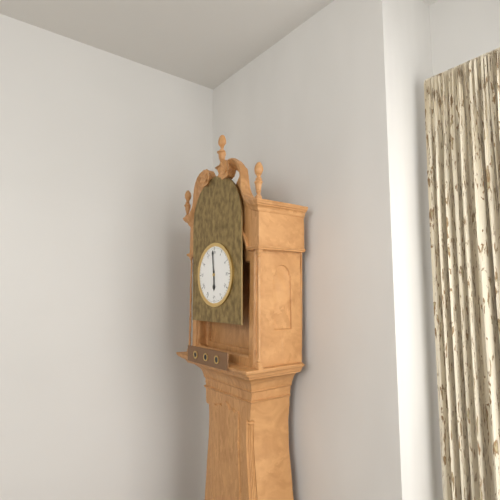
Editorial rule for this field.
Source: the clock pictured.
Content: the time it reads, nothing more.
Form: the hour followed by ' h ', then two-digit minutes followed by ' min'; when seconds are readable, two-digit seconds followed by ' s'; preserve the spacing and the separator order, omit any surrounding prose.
5 h 59 min
